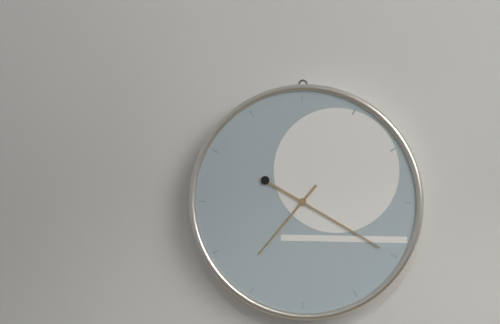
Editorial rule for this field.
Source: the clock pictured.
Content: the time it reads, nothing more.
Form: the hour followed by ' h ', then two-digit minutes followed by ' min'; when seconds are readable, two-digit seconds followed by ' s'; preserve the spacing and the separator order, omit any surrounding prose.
7 h 20 min
